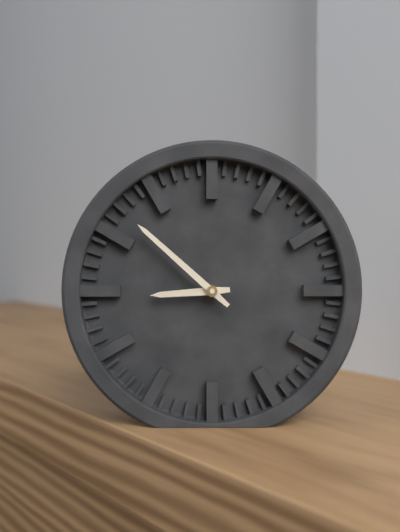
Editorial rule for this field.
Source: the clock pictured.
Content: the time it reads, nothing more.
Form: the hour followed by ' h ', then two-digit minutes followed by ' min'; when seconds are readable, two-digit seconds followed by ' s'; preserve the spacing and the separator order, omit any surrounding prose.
8 h 52 min
